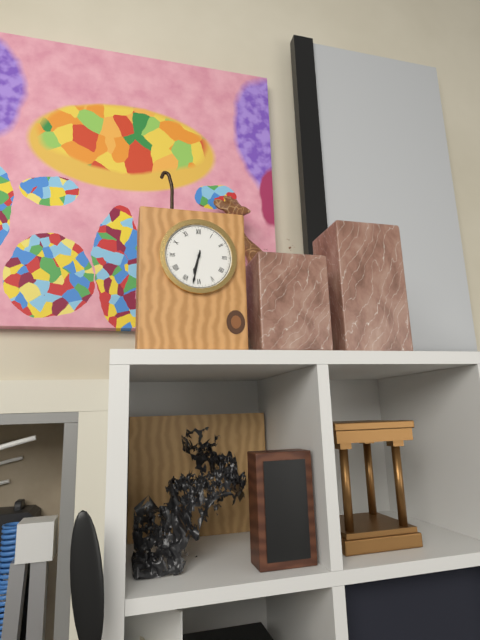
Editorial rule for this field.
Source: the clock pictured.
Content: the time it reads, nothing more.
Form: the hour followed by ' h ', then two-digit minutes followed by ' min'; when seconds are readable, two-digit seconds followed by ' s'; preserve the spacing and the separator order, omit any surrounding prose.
6 h 32 min
